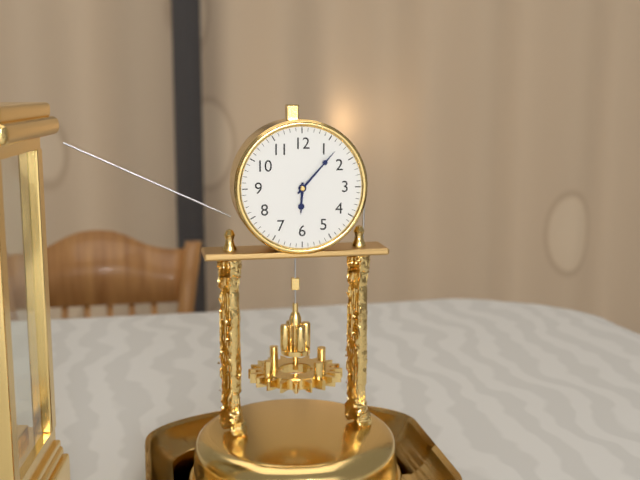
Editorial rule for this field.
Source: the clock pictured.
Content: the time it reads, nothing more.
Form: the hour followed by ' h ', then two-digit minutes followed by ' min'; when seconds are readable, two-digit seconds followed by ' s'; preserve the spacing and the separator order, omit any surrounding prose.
6 h 07 min
